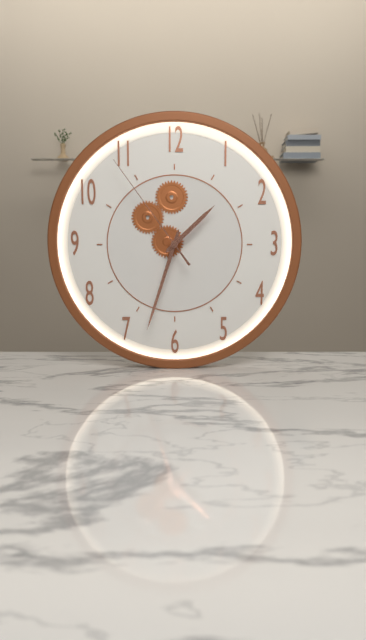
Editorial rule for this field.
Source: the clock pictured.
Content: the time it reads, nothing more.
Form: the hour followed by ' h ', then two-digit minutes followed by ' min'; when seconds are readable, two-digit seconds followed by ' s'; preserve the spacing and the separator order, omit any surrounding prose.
1 h 33 min 54 s
